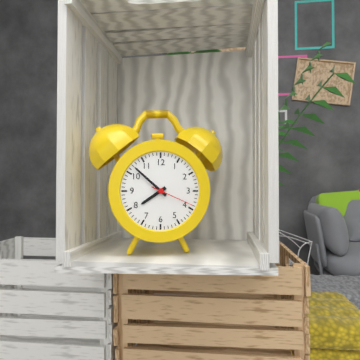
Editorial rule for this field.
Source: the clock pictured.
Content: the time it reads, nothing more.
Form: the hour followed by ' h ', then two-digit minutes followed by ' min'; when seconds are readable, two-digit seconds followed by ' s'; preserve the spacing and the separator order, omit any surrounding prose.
7 h 52 min
